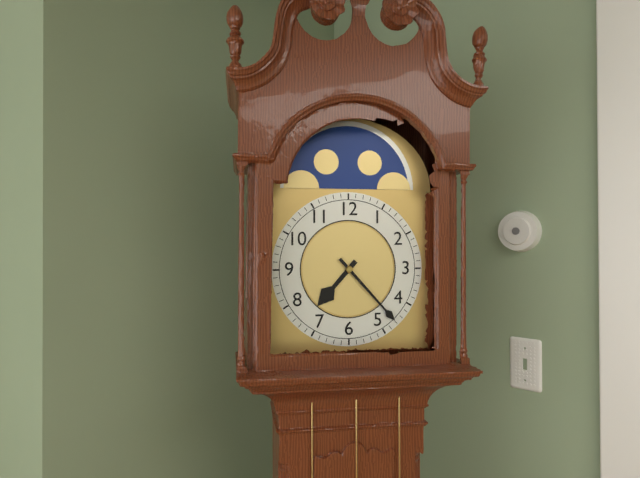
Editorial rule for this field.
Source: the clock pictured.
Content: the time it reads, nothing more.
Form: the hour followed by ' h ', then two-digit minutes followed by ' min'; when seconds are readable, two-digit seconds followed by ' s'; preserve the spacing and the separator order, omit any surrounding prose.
7 h 23 min
